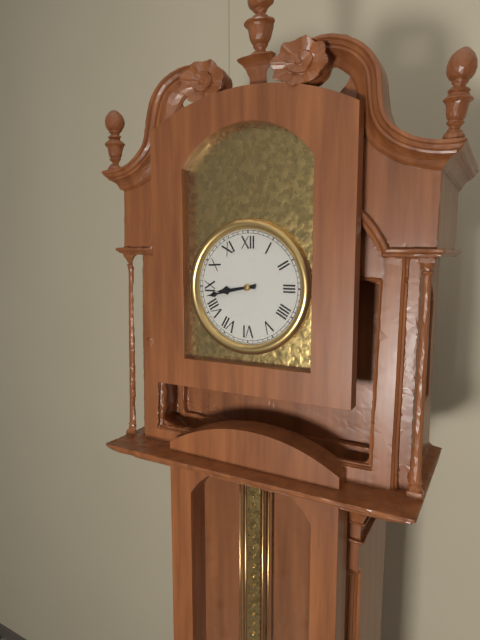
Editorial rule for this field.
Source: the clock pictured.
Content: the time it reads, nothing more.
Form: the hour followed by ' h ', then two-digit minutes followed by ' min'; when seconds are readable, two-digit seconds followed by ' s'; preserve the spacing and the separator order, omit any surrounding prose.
8 h 43 min
